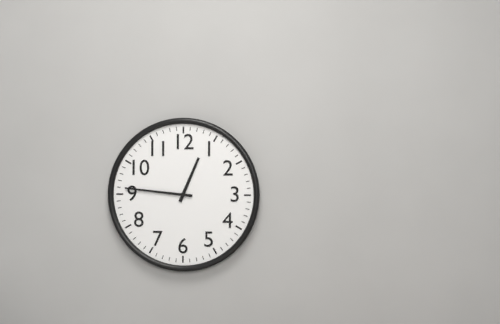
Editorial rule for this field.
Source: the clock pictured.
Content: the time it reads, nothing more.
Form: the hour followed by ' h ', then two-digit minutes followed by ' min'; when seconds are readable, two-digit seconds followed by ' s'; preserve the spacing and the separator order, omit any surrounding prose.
12 h 46 min
